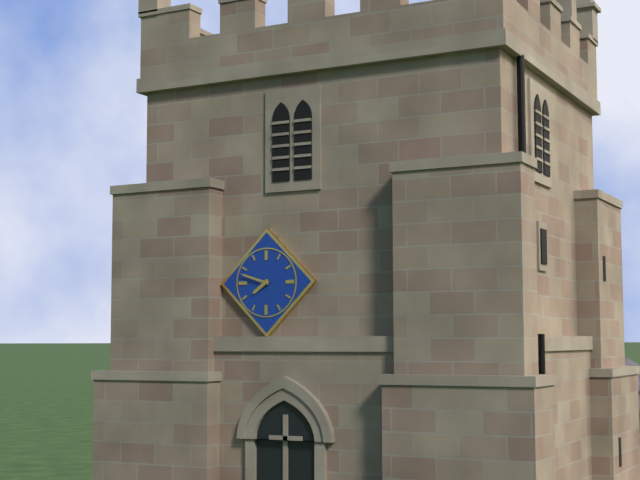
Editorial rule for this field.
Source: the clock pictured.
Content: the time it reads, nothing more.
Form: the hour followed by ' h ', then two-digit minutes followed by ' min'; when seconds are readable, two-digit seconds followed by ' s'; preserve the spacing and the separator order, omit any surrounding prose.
7 h 48 min
